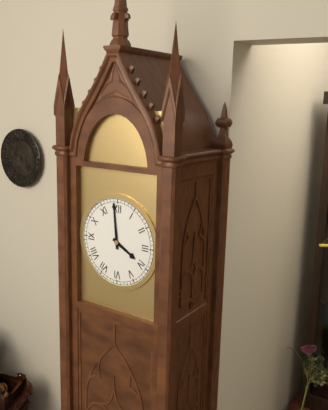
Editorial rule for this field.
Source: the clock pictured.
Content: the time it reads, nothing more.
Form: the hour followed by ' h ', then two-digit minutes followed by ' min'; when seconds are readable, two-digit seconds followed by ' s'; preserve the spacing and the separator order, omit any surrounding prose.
3 h 59 min
